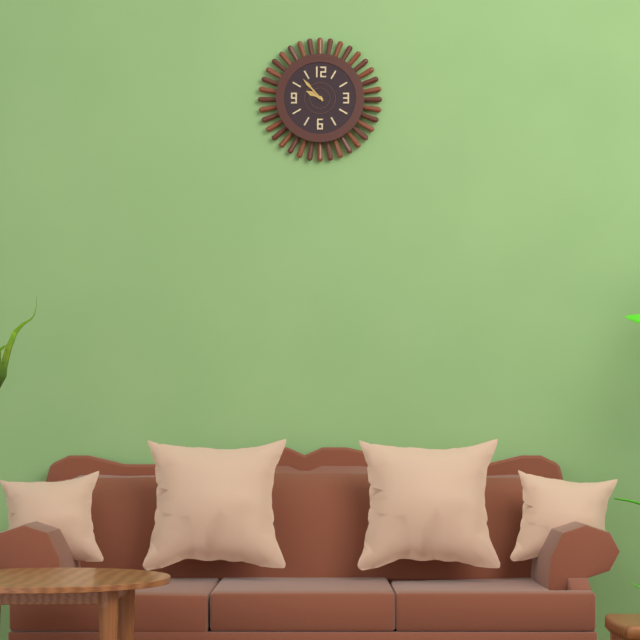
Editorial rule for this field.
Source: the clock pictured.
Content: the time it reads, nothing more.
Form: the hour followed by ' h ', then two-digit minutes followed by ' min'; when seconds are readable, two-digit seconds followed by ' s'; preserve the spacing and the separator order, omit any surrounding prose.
9 h 53 min
